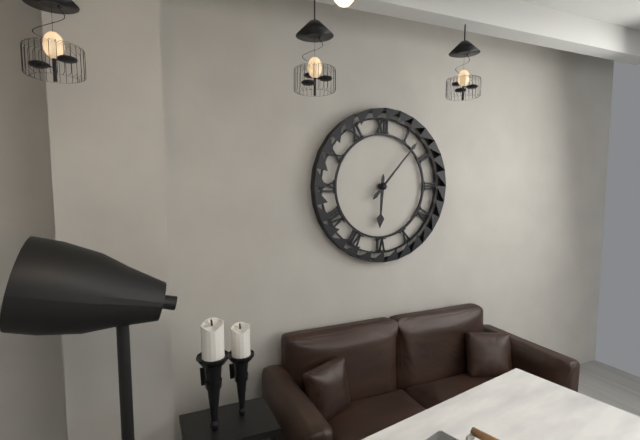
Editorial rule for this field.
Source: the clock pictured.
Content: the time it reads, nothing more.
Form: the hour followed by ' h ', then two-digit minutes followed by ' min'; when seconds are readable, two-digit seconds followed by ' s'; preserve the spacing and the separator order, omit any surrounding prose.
6 h 07 min
